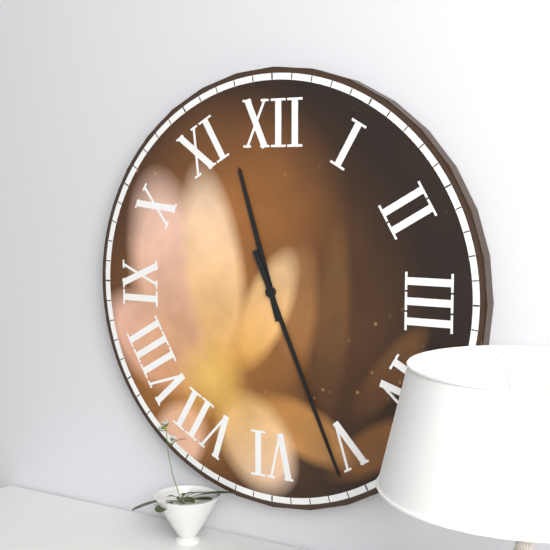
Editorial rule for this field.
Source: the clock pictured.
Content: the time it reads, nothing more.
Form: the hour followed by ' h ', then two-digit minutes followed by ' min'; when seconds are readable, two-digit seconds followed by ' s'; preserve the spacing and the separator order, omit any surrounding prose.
11 h 26 min
